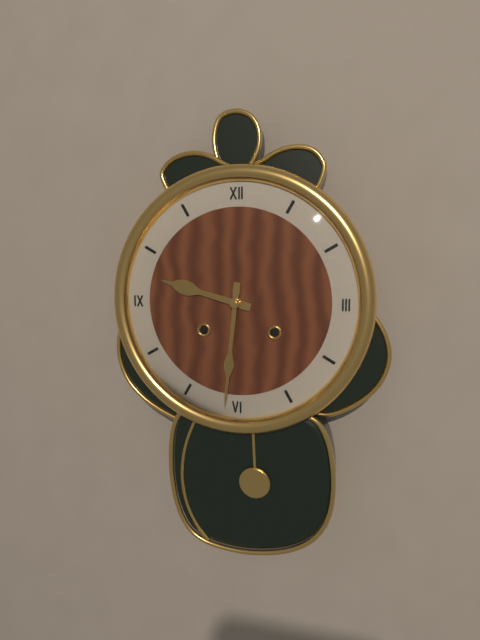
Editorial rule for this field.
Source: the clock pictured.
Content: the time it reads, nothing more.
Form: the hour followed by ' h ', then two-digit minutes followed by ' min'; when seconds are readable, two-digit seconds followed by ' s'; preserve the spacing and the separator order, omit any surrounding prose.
9 h 31 min
